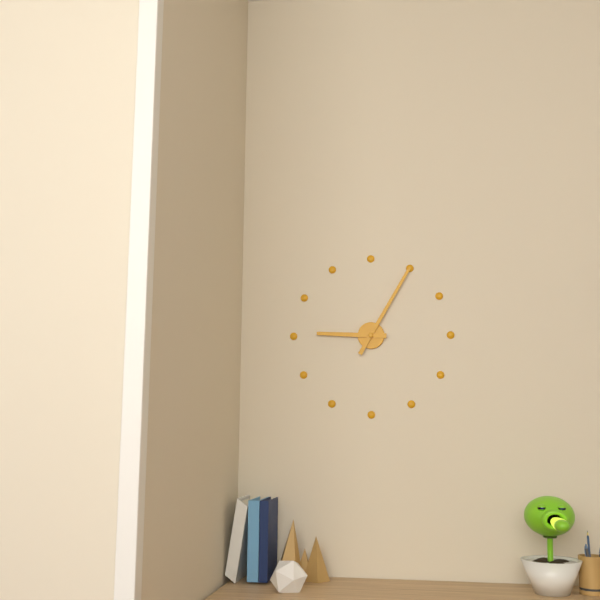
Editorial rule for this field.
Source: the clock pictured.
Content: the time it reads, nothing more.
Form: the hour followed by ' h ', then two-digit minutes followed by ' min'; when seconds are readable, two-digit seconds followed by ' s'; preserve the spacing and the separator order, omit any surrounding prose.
9 h 05 min
